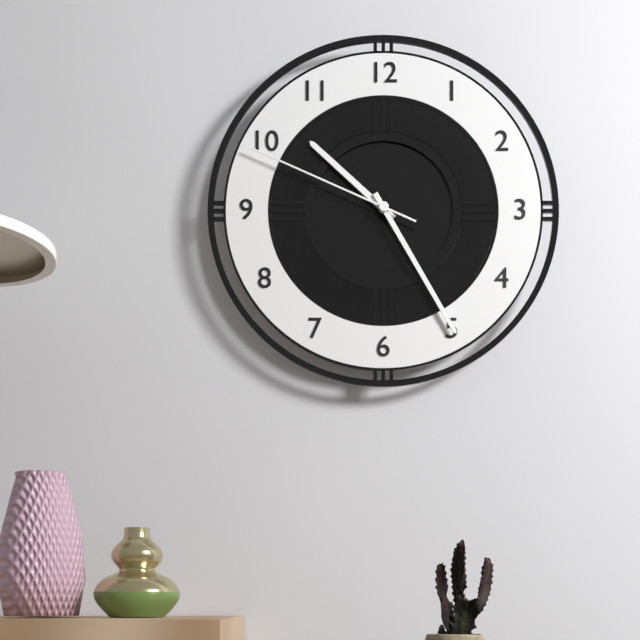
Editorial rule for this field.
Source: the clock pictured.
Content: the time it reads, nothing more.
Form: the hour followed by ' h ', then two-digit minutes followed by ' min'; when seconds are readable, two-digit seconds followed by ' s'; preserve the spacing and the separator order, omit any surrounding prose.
10 h 25 min 49 s
